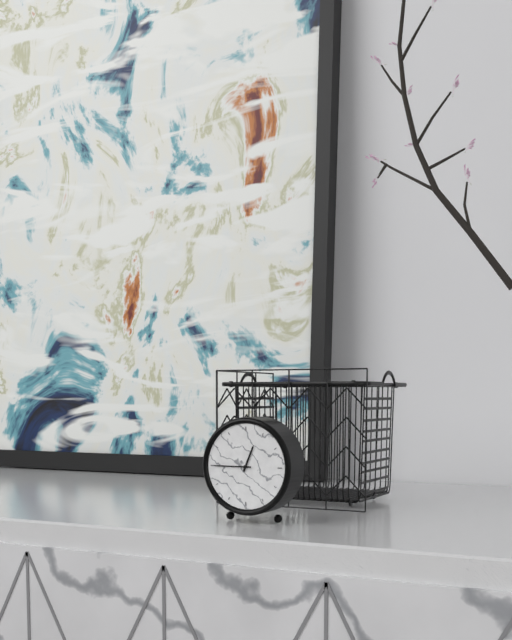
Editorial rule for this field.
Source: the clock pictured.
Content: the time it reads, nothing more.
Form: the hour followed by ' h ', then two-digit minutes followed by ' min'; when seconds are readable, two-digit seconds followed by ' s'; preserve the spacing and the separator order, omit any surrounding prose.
12 h 45 min
